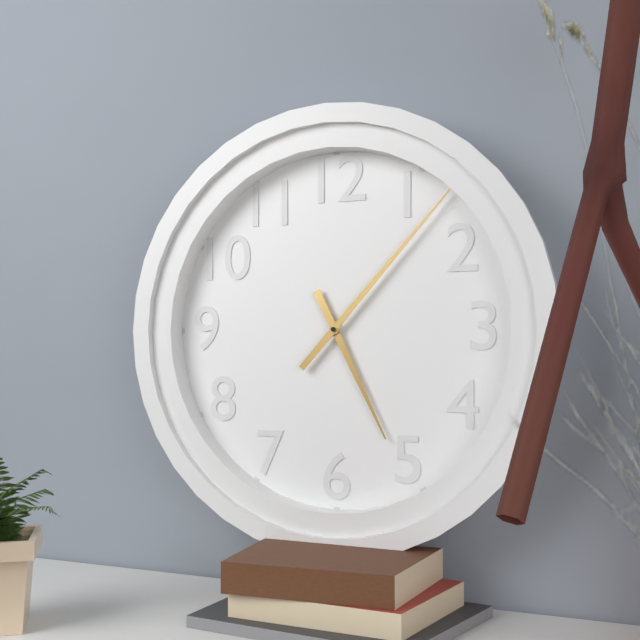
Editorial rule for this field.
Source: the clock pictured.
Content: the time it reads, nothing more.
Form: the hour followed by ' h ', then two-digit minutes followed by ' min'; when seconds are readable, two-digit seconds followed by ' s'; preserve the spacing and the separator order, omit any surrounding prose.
5 h 07 min
